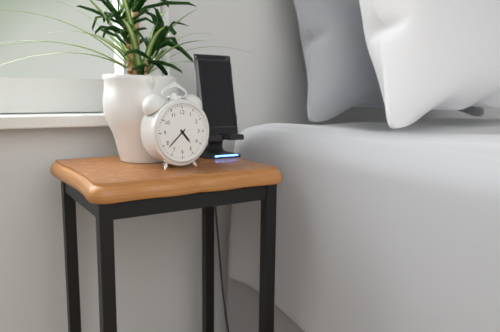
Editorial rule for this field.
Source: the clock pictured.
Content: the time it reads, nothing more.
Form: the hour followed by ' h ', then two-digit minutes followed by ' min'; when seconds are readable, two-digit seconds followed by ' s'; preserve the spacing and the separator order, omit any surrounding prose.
4 h 38 min
